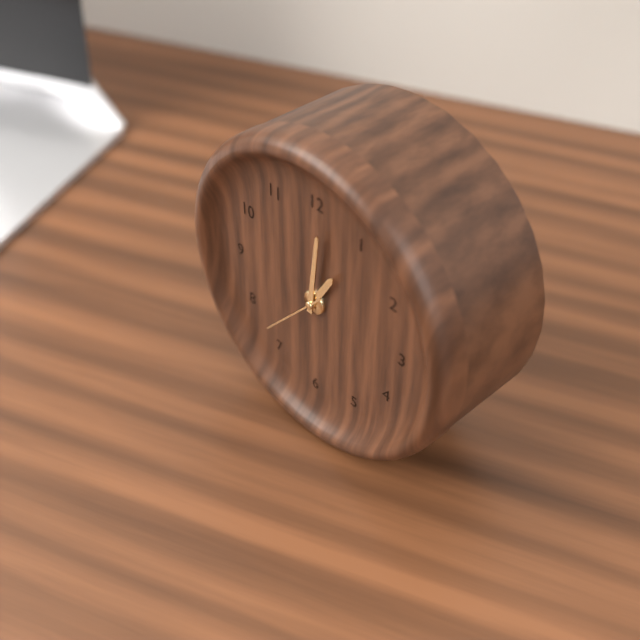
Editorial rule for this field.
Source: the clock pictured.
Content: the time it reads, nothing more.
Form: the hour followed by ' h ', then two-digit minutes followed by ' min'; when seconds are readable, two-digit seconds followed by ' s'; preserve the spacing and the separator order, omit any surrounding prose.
1 h 01 min 37 s
